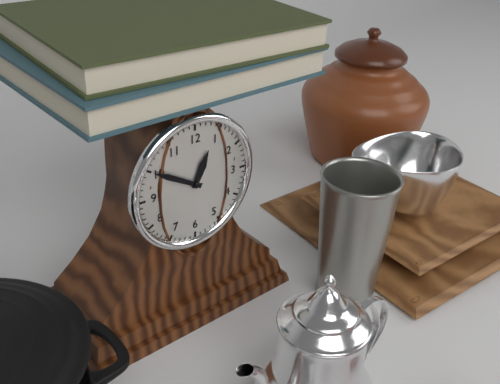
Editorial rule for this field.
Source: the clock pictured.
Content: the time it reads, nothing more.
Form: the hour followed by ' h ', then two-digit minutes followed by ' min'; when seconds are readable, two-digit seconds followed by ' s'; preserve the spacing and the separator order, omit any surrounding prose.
12 h 50 min
